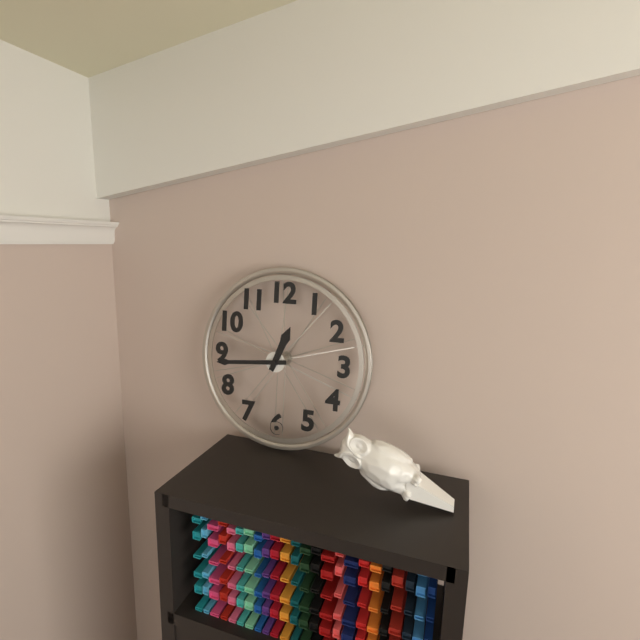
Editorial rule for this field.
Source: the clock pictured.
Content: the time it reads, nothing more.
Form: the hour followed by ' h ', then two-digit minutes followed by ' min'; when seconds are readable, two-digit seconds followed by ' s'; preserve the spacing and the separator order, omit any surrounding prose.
12 h 44 min
